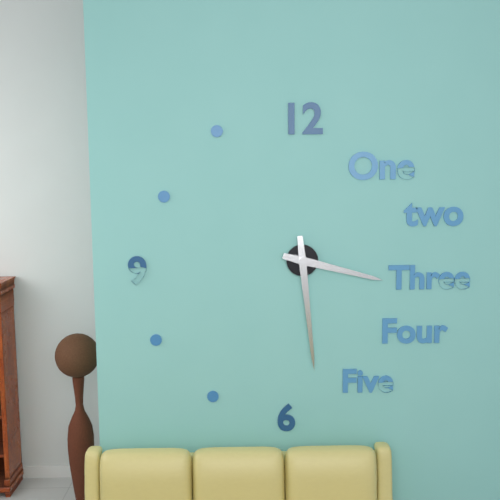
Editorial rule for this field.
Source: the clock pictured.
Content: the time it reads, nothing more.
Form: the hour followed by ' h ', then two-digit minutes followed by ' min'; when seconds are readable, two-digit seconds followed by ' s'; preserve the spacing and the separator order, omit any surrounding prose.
3 h 29 min
